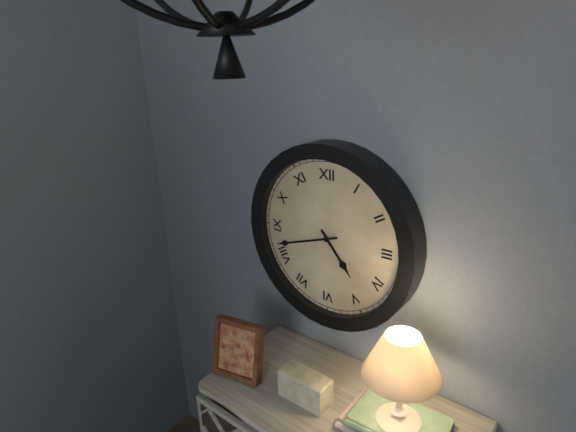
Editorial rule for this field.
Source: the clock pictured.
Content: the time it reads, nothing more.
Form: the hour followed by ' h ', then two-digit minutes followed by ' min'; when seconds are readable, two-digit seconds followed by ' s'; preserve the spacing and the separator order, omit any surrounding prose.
4 h 42 min
